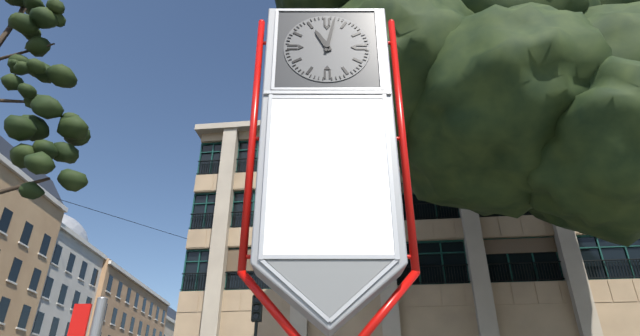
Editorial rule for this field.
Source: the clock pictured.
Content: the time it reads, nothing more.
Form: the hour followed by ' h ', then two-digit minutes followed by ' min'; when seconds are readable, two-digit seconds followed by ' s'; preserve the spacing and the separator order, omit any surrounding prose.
11 h 02 min
